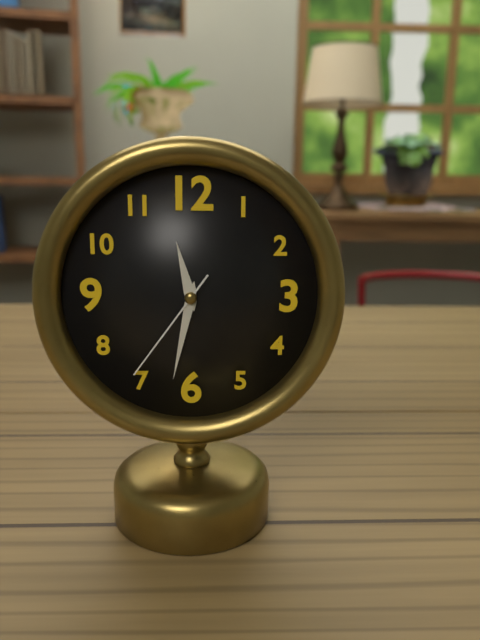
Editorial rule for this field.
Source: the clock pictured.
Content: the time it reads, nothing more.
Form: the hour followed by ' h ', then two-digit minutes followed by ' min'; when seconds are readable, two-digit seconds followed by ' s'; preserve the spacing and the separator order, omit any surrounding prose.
11 h 32 min 36 s
